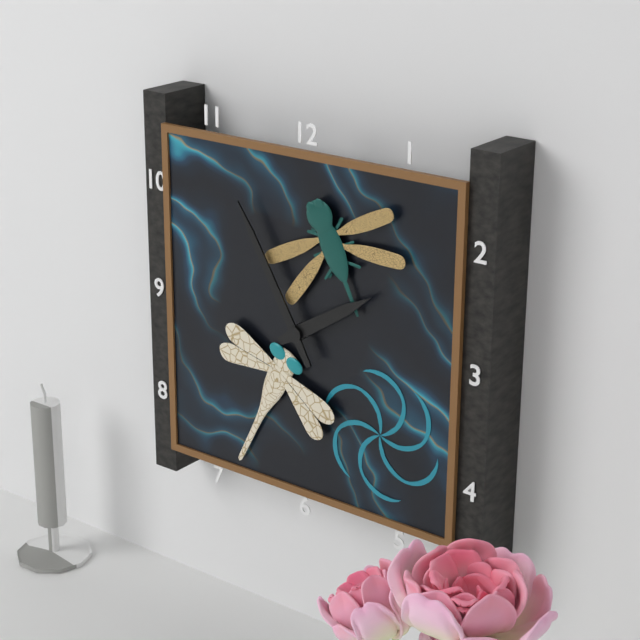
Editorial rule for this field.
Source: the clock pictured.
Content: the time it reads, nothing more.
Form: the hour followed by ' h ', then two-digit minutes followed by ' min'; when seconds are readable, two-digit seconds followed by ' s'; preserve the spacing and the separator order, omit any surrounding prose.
1 h 55 min
